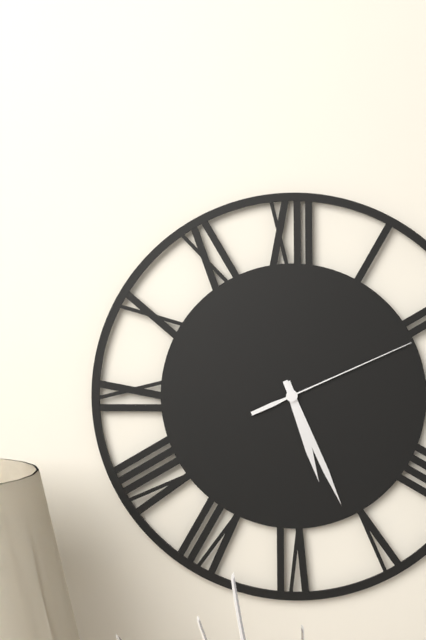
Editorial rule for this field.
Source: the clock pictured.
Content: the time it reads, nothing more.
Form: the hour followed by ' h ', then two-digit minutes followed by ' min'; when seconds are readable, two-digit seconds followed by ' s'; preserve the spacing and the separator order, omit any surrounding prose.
5 h 26 min 11 s
